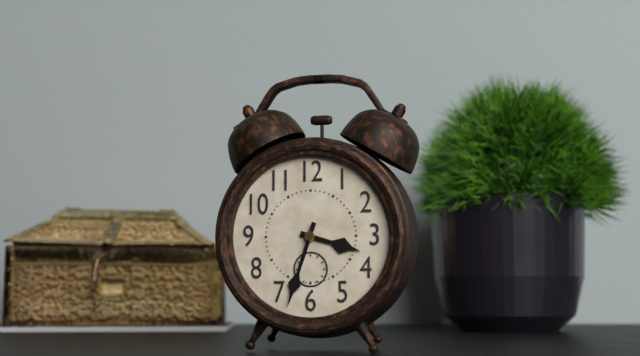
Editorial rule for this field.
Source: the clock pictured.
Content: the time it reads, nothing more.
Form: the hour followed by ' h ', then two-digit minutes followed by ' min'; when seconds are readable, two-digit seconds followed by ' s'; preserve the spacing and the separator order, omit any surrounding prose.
3 h 33 min
